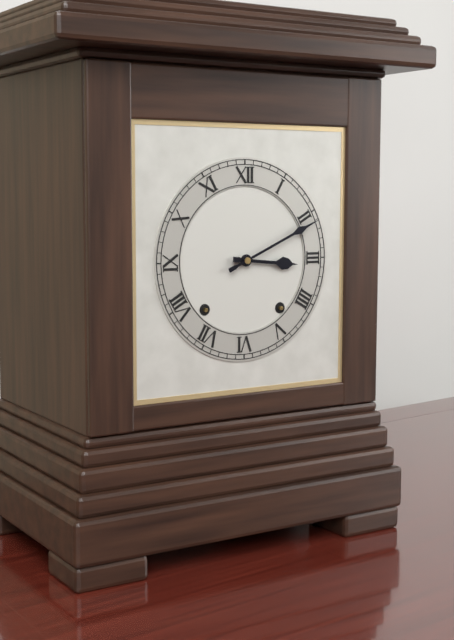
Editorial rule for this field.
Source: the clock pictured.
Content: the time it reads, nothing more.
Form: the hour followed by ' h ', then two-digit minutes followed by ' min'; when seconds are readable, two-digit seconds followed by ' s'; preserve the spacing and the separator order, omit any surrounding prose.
3 h 11 min
